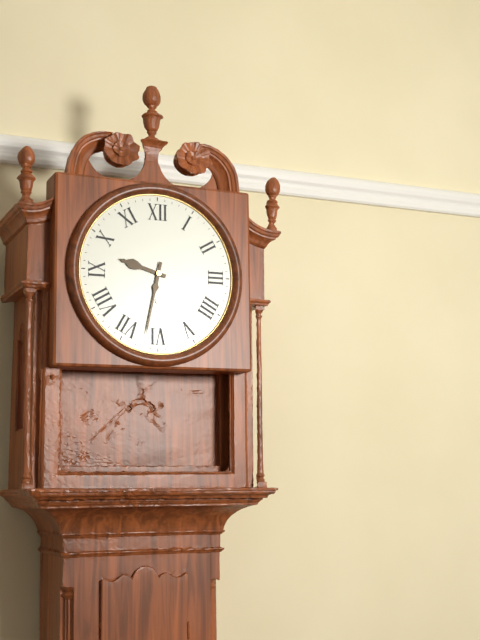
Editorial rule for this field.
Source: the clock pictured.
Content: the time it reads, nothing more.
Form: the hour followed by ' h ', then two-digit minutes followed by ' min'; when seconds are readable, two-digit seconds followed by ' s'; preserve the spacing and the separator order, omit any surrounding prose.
9 h 32 min
